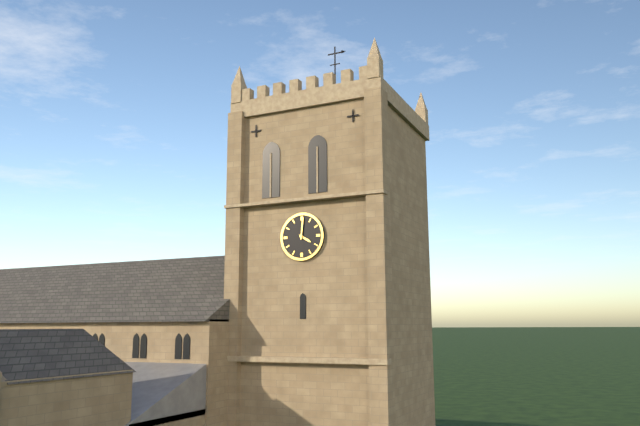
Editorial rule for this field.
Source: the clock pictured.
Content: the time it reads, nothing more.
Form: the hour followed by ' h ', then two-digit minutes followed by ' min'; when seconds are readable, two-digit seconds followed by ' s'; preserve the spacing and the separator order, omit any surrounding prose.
4 h 01 min
